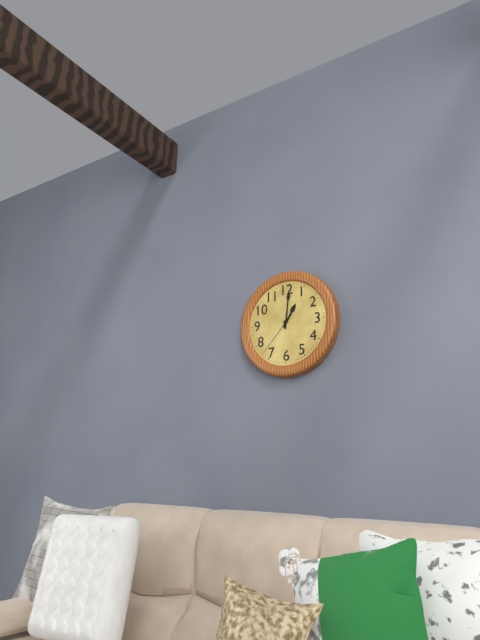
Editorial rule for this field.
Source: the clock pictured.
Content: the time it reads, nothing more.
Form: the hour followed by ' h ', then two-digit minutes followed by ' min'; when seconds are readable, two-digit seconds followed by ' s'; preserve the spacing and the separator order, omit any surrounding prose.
1 h 01 min
